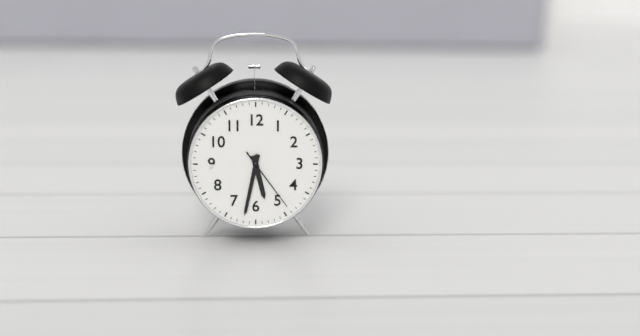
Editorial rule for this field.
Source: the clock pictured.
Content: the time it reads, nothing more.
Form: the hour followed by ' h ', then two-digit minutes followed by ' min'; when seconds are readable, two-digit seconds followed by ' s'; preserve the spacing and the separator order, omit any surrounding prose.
5 h 32 min 24 s
